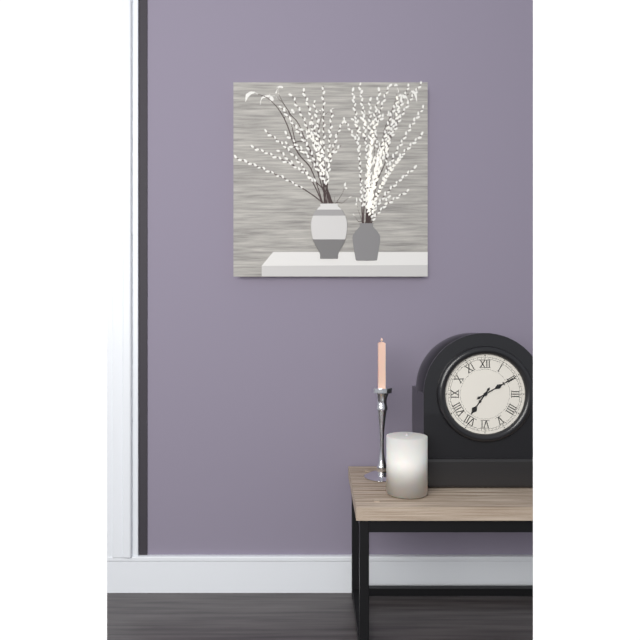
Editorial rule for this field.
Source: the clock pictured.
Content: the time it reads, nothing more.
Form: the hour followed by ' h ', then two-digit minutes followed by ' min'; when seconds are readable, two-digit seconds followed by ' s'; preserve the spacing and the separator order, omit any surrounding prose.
7 h 10 min
